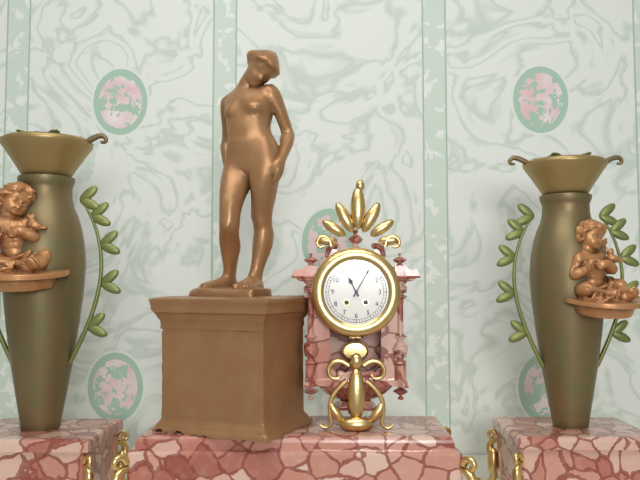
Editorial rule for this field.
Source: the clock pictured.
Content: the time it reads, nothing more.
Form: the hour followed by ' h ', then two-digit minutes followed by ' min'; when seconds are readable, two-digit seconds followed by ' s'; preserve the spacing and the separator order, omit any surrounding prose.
11 h 05 min
